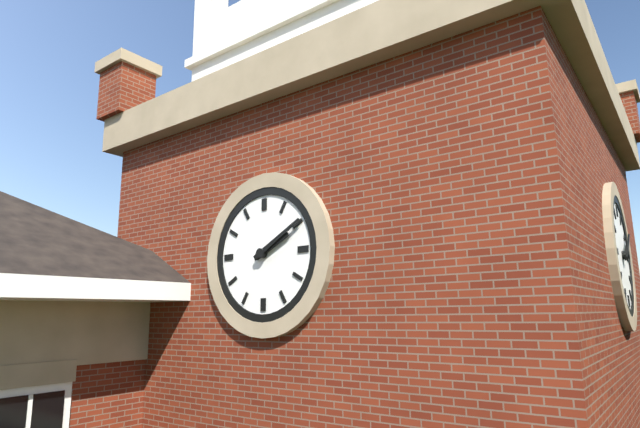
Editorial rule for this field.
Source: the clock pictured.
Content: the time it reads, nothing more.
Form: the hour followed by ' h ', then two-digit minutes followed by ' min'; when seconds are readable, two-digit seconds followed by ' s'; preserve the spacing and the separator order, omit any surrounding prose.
2 h 10 min
